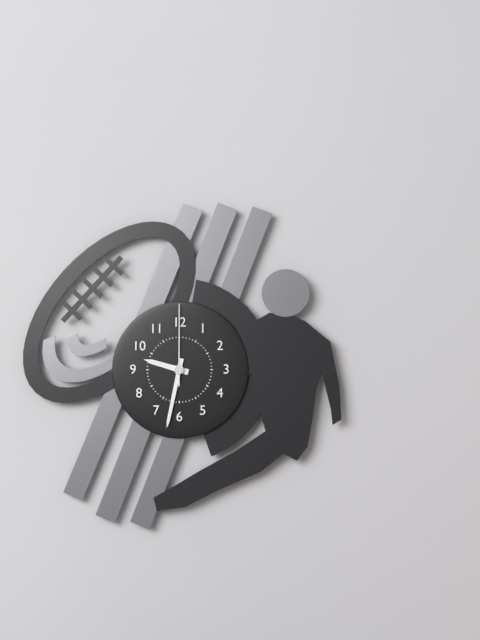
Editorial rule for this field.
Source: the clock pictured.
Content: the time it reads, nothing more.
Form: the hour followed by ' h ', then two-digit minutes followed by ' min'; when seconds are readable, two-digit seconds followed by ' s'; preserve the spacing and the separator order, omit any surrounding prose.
9 h 32 min 00 s
